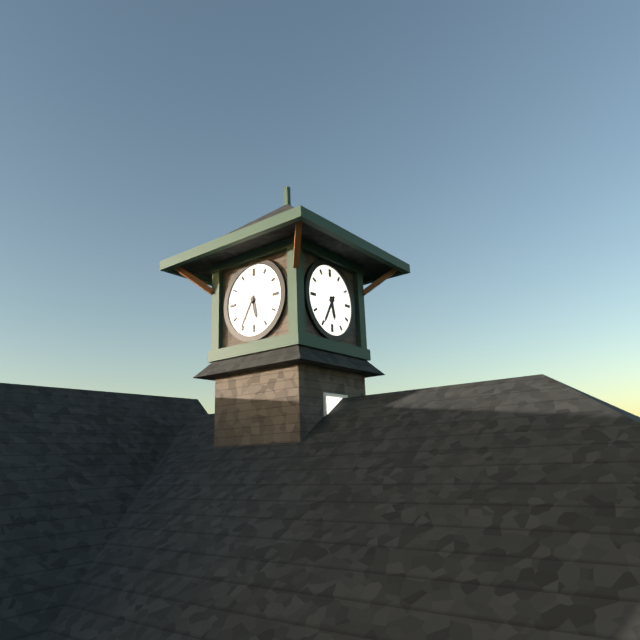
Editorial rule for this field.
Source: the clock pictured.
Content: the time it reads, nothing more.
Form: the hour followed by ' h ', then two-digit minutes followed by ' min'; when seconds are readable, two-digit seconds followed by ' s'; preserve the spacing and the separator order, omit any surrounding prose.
5 h 35 min
